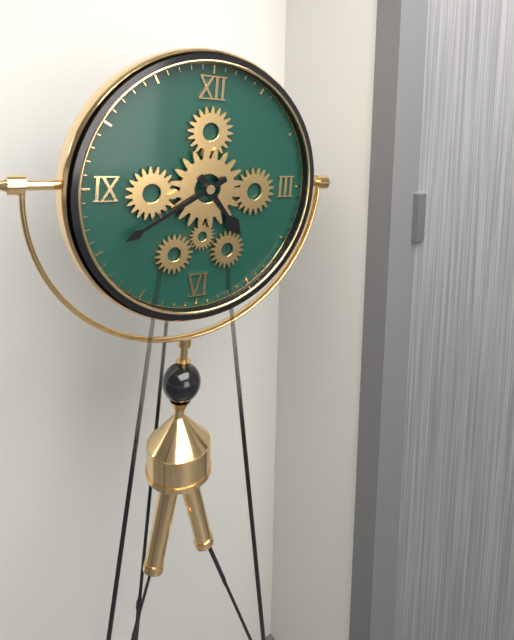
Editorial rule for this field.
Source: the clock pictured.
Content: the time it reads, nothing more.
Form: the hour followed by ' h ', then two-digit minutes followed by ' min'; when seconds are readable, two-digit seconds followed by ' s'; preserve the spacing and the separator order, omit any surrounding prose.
4 h 40 min
